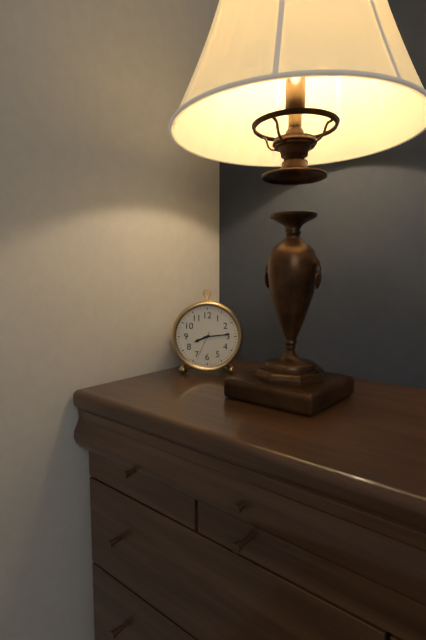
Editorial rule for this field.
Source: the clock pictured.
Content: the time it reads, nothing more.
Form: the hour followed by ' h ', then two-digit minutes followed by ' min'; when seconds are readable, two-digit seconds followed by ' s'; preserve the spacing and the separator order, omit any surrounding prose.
8 h 14 min
